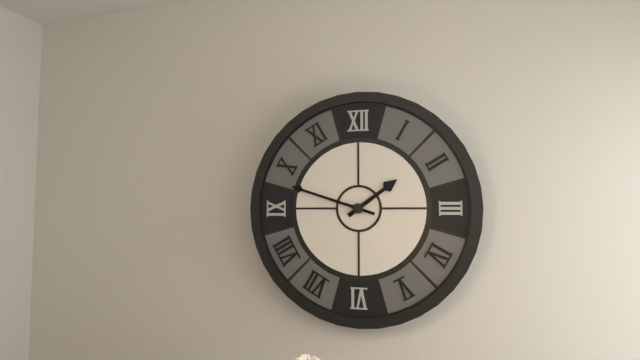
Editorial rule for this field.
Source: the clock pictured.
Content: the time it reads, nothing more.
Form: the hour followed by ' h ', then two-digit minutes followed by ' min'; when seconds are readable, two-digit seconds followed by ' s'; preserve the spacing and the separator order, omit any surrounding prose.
1 h 48 min
